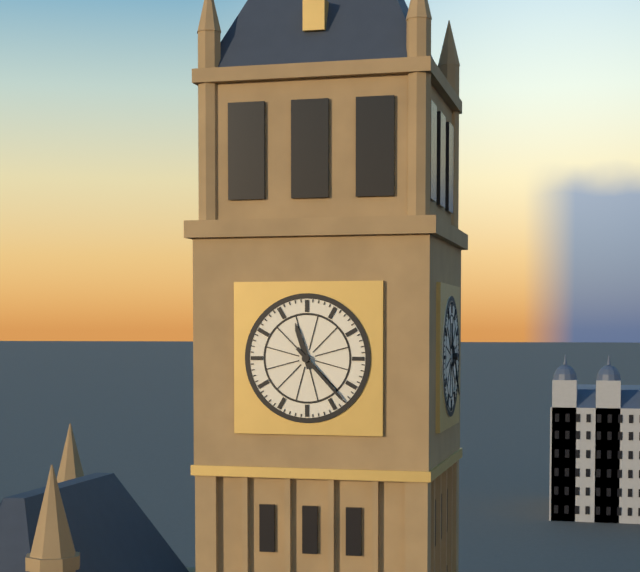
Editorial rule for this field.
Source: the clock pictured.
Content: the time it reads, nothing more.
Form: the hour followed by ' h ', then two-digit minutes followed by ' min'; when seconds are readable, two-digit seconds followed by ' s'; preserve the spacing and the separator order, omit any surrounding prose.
11 h 23 min
